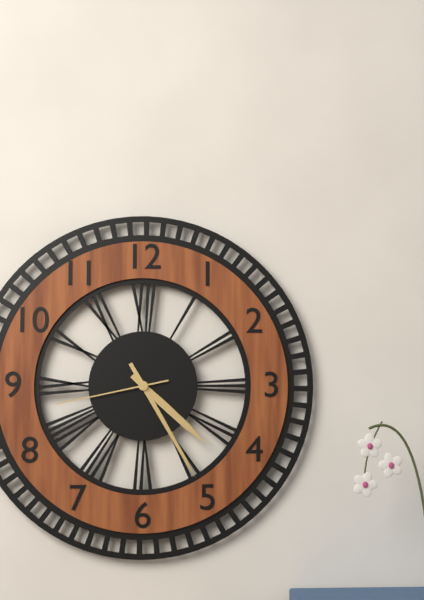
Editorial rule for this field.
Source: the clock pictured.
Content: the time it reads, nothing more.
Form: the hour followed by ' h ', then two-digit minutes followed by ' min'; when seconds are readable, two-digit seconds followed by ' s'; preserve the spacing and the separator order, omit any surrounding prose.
4 h 25 min 43 s
